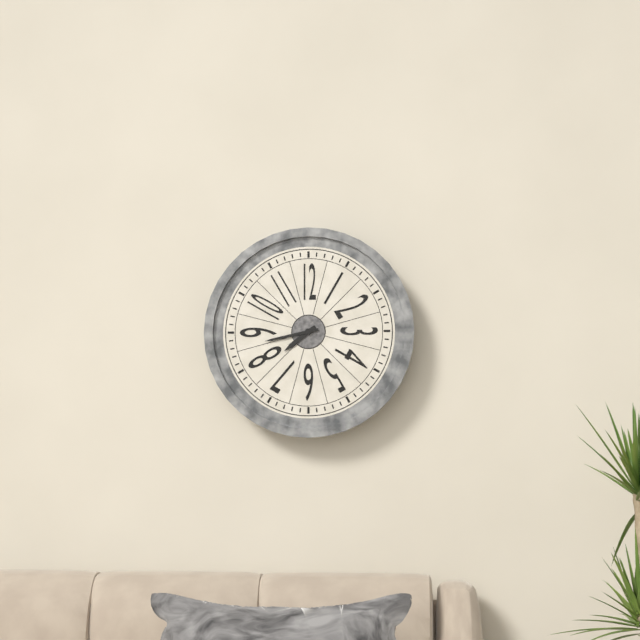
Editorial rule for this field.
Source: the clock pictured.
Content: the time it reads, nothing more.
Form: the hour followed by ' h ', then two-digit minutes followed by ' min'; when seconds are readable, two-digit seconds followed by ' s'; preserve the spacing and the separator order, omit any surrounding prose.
7 h 43 min
